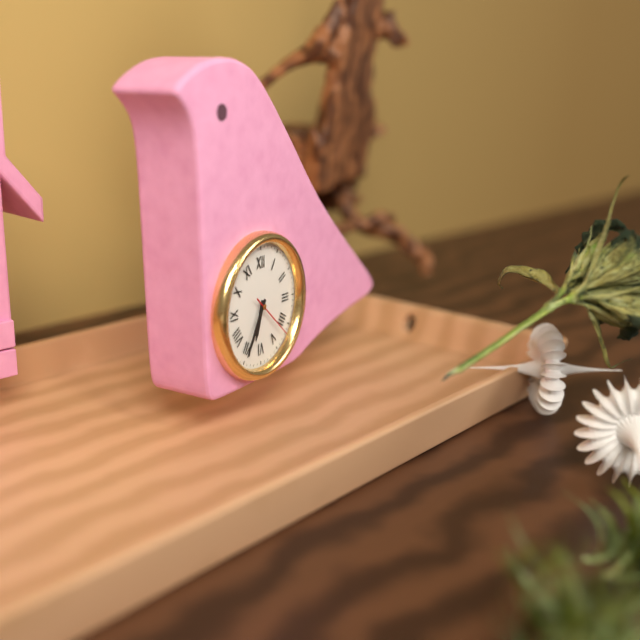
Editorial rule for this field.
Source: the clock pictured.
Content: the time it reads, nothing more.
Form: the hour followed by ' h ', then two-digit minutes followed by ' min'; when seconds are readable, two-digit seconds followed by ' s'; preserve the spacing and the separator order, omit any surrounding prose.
6 h 35 min 22 s
